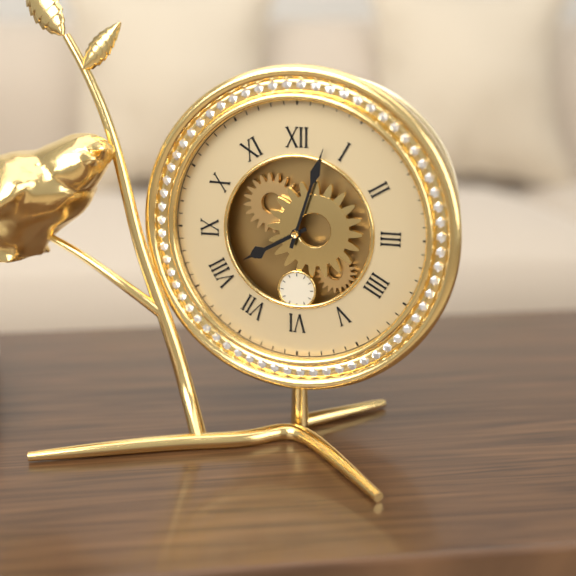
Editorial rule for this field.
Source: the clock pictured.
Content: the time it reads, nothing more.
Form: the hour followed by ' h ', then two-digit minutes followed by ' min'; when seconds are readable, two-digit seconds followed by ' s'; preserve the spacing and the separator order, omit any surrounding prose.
8 h 03 min
